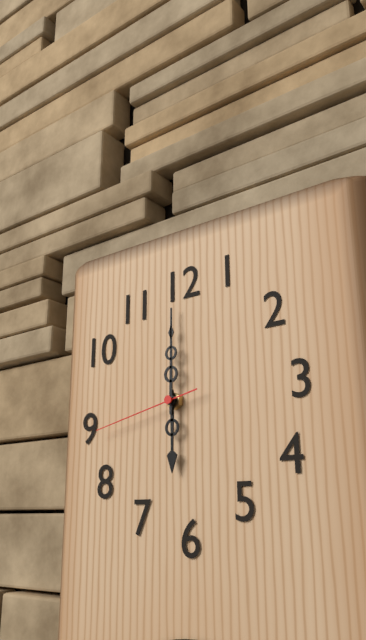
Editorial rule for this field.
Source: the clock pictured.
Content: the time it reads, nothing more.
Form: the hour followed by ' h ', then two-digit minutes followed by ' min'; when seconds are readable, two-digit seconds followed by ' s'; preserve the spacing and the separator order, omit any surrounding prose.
6 h 00 min 43 s
